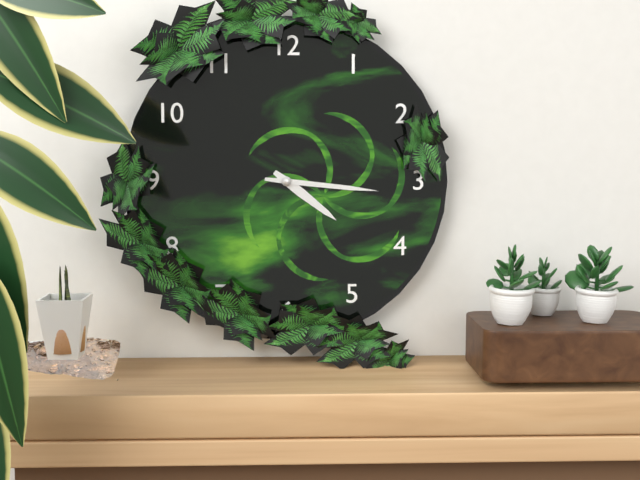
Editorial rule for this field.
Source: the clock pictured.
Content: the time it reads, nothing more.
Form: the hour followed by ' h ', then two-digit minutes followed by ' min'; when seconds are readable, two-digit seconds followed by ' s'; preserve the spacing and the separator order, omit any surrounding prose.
4 h 16 min
